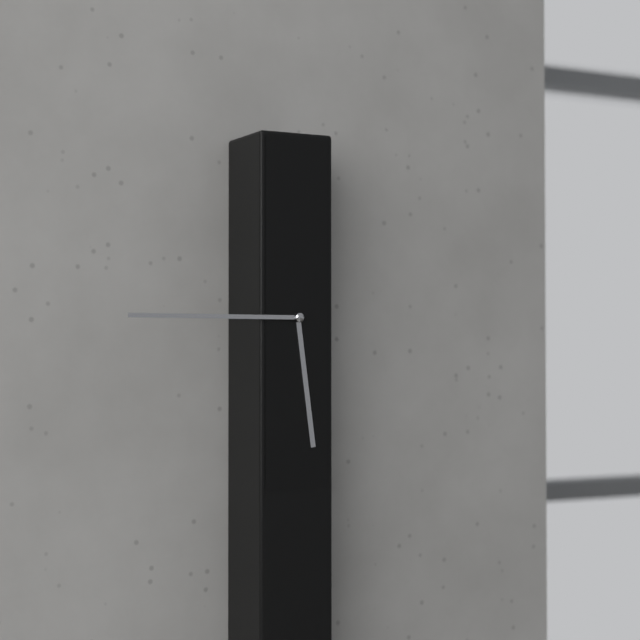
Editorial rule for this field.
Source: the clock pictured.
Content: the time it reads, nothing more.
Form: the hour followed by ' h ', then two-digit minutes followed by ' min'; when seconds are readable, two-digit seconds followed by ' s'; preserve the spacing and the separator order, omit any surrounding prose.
5 h 45 min
